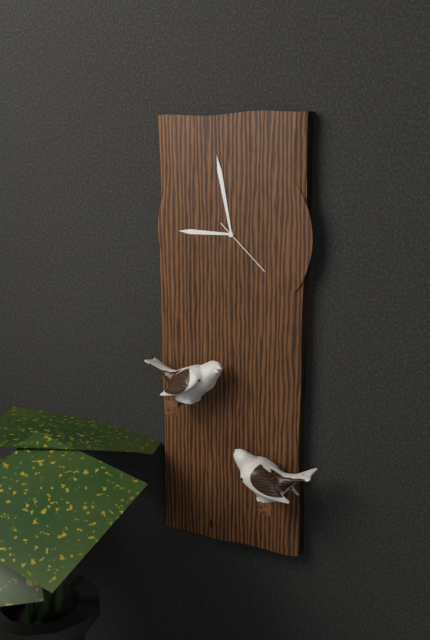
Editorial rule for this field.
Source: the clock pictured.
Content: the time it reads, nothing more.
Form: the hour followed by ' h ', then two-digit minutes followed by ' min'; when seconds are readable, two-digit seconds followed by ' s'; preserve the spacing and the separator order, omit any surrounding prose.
8 h 58 min 22 s
